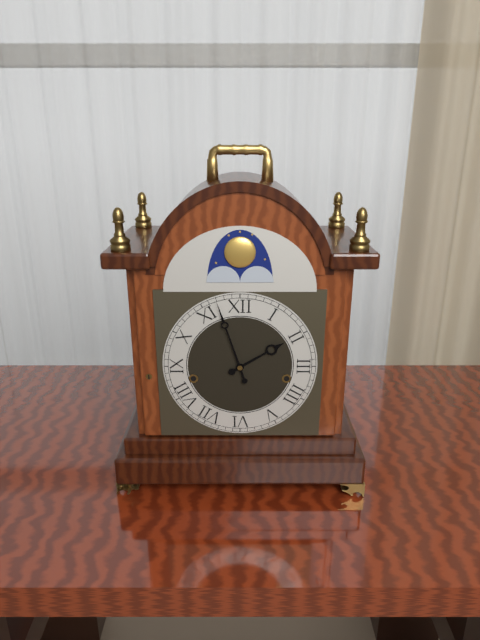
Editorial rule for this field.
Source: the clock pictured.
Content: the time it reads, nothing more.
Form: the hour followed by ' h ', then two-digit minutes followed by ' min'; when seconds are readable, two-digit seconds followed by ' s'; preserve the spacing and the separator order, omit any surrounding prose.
1 h 57 min
